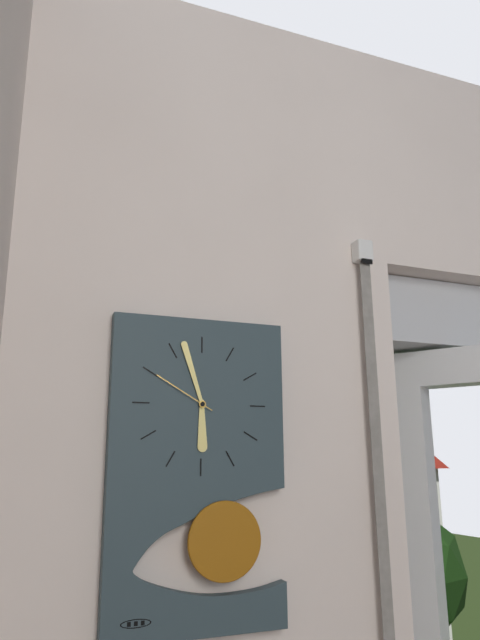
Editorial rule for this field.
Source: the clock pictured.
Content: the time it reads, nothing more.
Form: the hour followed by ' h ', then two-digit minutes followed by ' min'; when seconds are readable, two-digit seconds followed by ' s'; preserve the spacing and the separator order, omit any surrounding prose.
5 h 57 min 50 s
